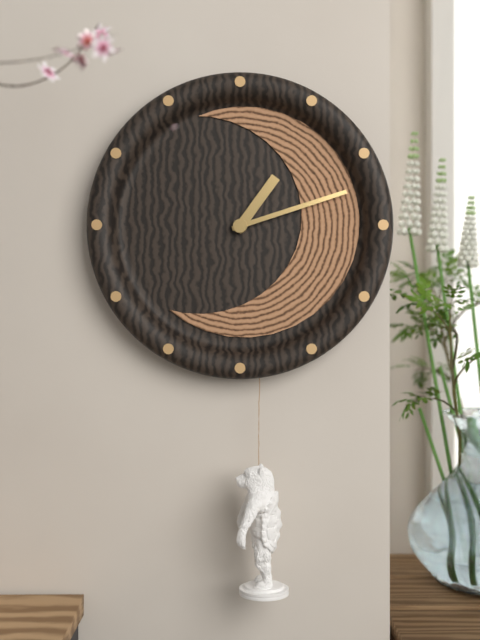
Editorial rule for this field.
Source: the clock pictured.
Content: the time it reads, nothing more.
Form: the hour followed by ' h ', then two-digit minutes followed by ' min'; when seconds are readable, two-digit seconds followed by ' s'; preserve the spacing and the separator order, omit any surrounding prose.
1 h 12 min
